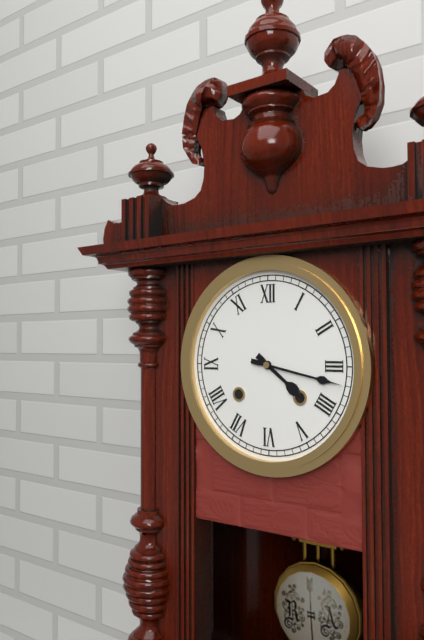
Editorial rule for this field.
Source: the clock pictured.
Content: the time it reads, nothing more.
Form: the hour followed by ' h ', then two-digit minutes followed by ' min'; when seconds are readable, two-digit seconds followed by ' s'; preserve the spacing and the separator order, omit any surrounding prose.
4 h 17 min
